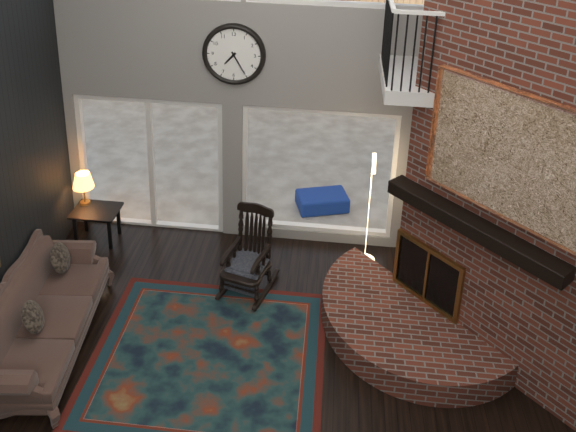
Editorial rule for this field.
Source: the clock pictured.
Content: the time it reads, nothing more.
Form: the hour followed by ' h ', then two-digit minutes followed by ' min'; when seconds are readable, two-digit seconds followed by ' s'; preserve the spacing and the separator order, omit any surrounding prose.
7 h 25 min
